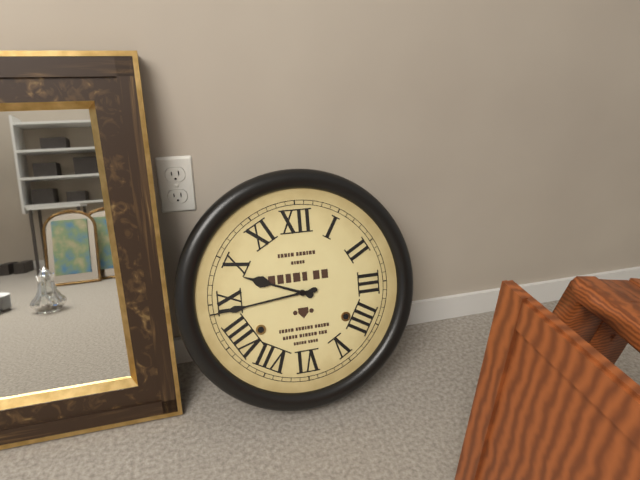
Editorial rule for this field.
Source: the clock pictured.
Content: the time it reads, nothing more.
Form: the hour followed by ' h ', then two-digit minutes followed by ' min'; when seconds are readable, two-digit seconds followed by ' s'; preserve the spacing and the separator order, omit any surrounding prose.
9 h 44 min
